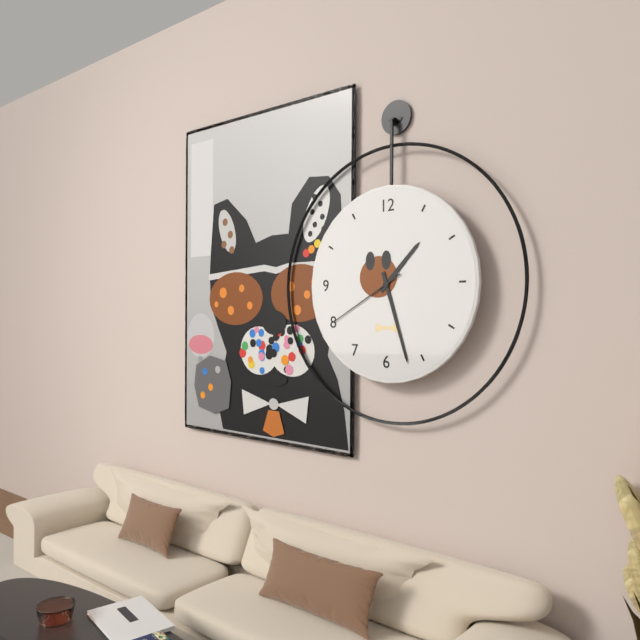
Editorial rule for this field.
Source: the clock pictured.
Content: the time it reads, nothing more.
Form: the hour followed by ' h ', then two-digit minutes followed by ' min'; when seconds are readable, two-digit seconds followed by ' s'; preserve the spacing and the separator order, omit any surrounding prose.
1 h 27 min 40 s
